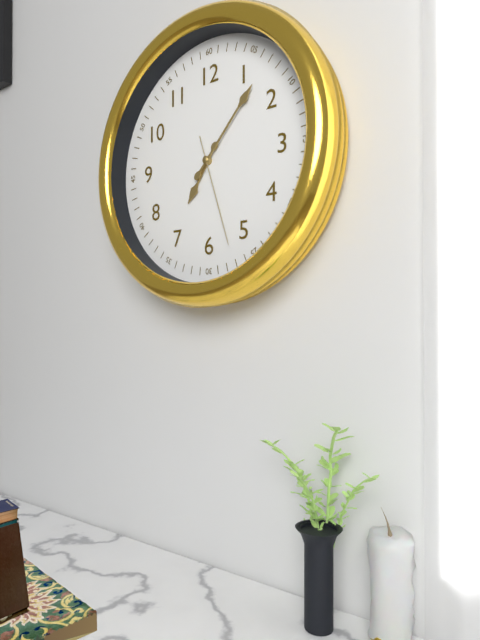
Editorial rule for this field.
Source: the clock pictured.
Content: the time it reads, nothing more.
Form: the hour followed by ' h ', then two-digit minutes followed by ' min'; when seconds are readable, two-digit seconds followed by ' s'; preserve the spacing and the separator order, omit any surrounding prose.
7 h 07 min 27 s
